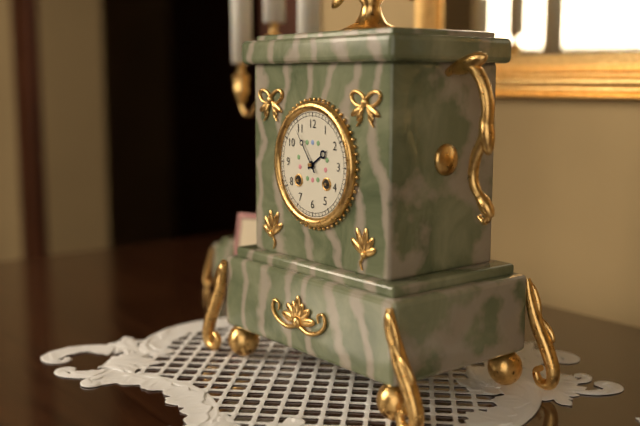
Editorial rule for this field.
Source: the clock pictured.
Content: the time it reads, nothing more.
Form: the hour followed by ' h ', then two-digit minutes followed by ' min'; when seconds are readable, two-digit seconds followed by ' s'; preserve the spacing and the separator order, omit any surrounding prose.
1 h 54 min
